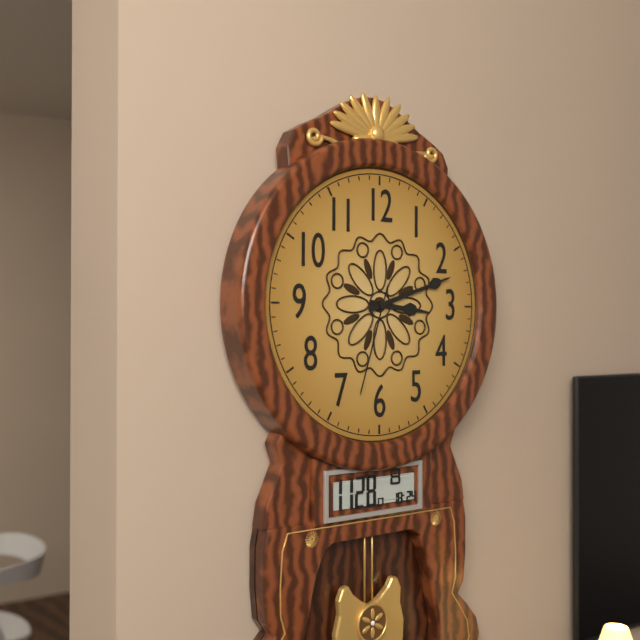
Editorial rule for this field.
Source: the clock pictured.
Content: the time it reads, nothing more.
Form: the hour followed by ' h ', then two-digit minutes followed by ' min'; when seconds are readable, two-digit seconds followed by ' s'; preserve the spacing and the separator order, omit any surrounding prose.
3 h 12 min 33 s
